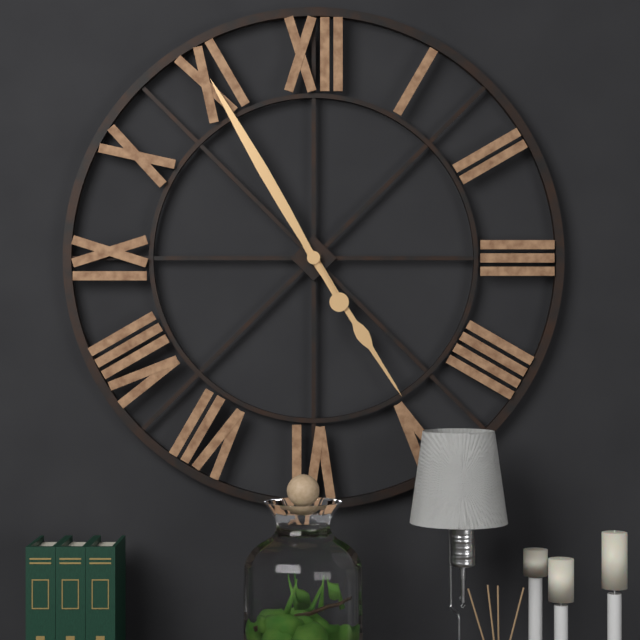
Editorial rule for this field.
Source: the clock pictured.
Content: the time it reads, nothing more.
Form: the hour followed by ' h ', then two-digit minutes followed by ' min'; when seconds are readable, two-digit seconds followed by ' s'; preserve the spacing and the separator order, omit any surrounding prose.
4 h 55 min
